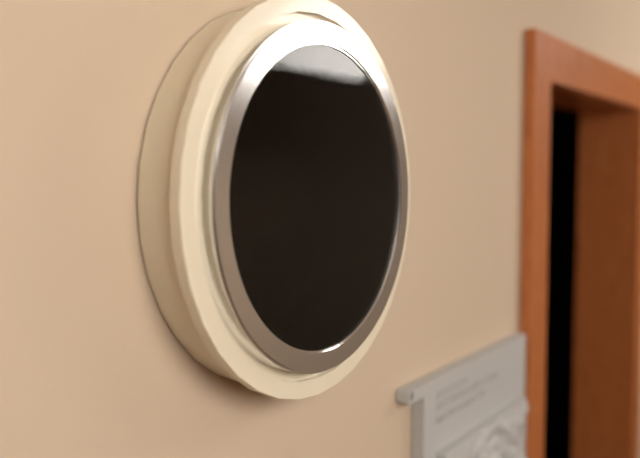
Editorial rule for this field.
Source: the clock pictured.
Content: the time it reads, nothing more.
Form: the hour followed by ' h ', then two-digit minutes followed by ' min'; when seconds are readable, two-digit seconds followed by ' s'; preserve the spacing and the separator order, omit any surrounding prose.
5 h 01 min
